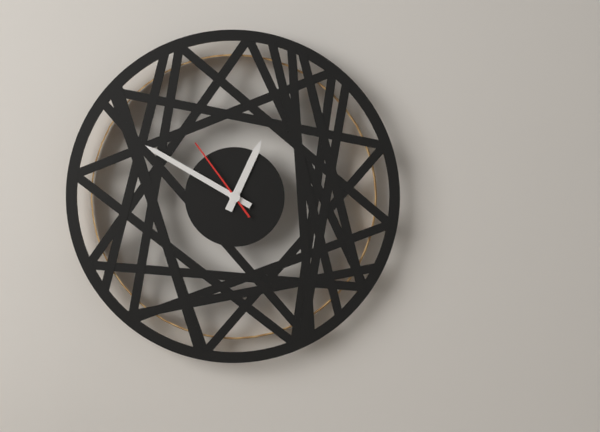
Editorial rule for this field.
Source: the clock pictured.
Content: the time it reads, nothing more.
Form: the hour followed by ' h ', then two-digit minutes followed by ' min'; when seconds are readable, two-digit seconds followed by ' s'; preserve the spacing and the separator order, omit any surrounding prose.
12 h 50 min 54 s
